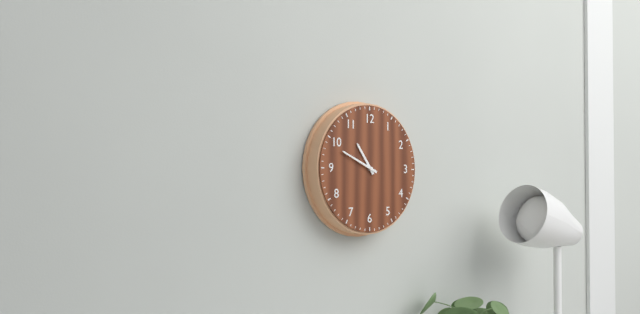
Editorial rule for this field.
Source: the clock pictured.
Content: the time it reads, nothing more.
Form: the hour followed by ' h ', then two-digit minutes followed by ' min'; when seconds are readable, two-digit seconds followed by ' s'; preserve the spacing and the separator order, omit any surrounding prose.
10 h 49 min
